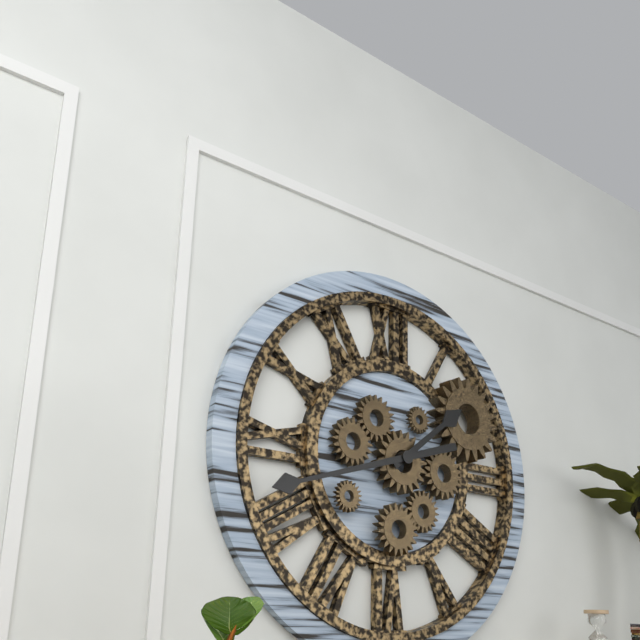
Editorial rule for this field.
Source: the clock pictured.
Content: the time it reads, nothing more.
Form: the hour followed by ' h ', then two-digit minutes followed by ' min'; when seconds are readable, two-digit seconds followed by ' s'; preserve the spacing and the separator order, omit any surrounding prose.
1 h 42 min
